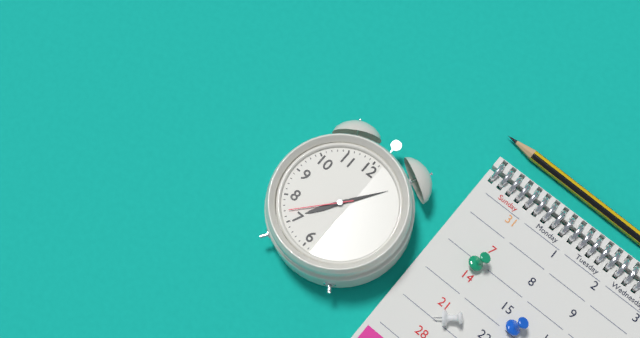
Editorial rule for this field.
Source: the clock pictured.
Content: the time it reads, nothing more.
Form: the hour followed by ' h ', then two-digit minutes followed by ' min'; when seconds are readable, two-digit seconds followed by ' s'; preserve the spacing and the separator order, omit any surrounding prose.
7 h 06 min 37 s
